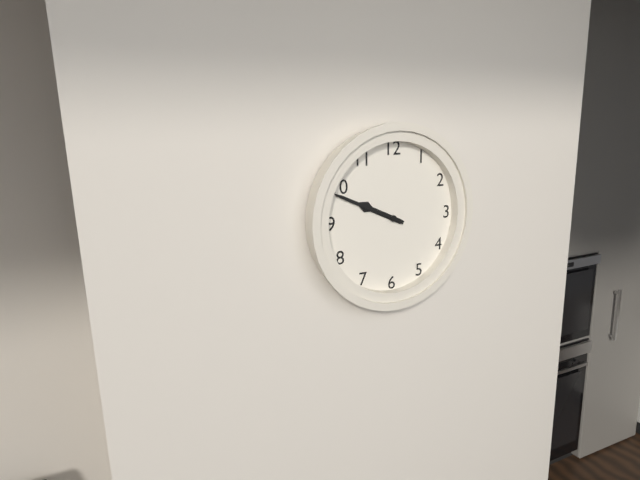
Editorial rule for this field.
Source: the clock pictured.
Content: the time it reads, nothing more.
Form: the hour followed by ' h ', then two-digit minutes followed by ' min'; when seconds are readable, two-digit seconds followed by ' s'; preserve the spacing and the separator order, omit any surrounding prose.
9 h 49 min
